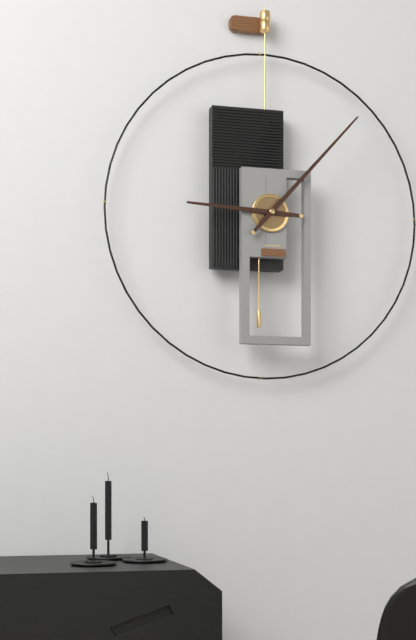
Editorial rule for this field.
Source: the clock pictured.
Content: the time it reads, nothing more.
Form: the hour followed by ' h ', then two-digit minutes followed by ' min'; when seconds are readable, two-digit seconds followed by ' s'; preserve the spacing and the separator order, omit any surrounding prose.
9 h 07 min
